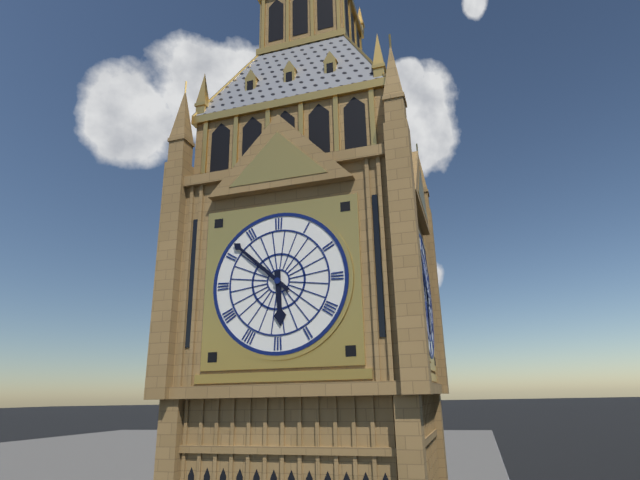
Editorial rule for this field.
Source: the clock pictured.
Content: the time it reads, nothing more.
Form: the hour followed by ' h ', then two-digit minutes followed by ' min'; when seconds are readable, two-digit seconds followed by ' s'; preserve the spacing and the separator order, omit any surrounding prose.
5 h 52 min
